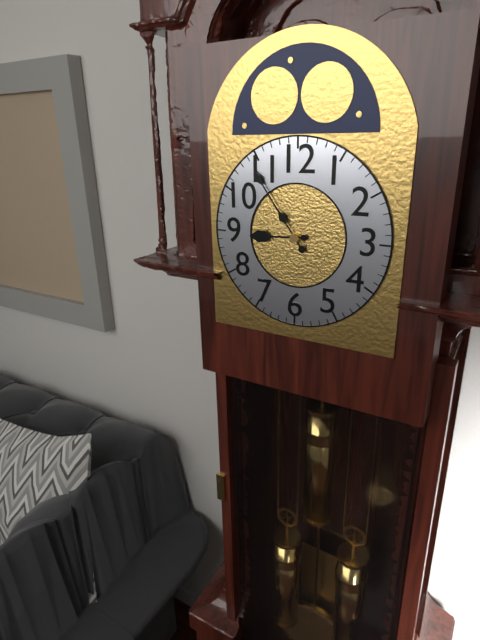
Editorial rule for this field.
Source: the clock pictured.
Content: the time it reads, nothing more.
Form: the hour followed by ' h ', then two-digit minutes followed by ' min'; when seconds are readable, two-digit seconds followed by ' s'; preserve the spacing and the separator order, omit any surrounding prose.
8 h 54 min
